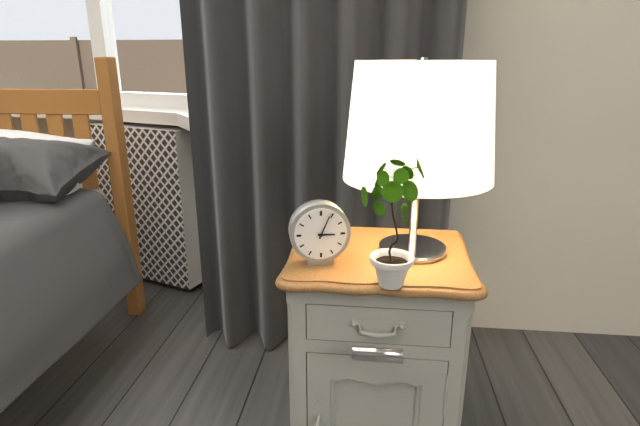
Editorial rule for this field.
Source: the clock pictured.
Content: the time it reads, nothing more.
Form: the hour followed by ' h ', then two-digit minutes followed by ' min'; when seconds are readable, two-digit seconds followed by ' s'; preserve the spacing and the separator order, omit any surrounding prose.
3 h 04 min
